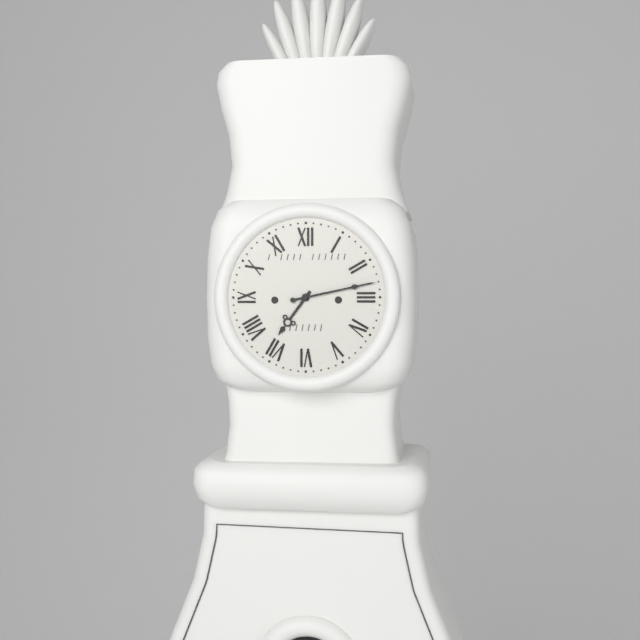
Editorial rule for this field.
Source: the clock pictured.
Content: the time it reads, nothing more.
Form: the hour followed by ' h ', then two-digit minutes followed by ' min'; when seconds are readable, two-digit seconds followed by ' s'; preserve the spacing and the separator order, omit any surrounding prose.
7 h 13 min
